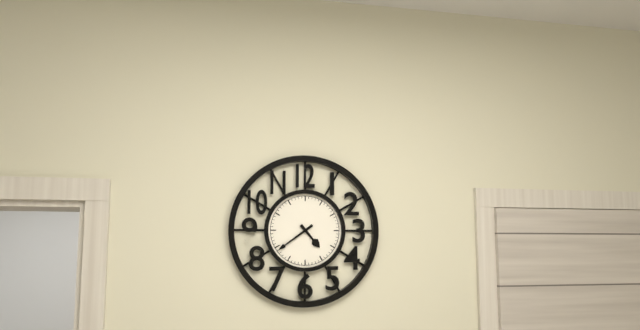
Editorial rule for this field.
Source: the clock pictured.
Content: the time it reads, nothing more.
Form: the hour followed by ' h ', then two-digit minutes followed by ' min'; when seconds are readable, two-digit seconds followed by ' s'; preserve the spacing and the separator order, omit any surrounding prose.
4 h 39 min
